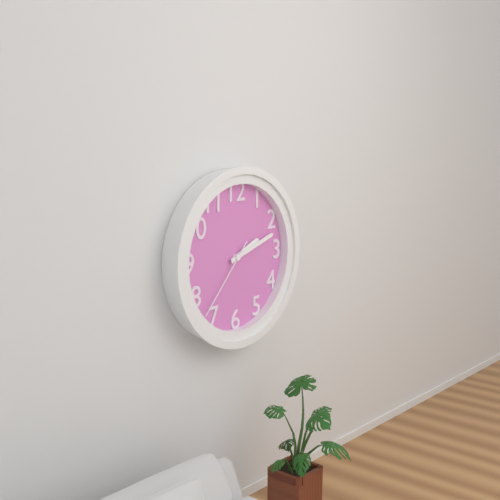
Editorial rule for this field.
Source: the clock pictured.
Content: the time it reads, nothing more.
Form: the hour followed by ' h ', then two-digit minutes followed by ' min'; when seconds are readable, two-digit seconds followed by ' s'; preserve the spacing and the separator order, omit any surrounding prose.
2 h 12 min 37 s
